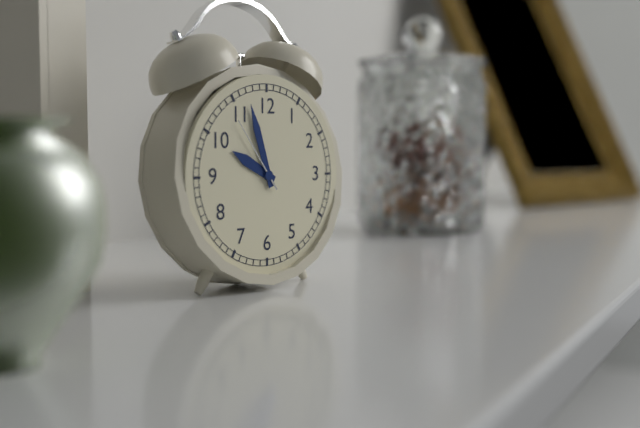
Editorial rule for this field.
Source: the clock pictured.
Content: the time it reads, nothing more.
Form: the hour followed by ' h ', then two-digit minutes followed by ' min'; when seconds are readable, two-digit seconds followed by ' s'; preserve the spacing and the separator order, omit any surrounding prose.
9 h 57 min 54 s
